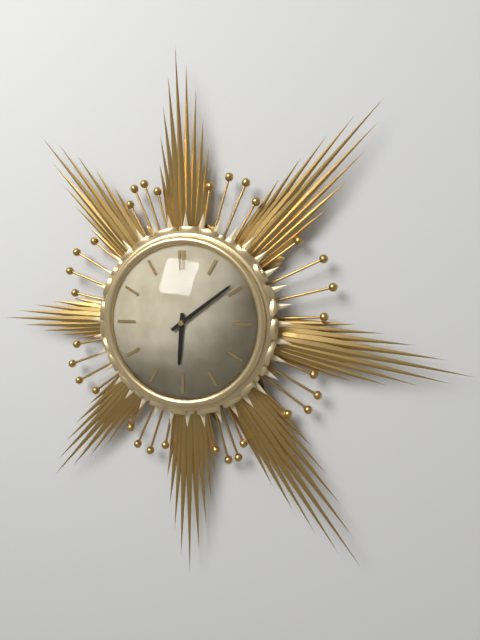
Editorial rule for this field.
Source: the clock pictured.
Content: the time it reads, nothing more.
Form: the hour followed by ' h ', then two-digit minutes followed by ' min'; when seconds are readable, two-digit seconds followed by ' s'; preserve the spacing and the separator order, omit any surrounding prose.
6 h 09 min
